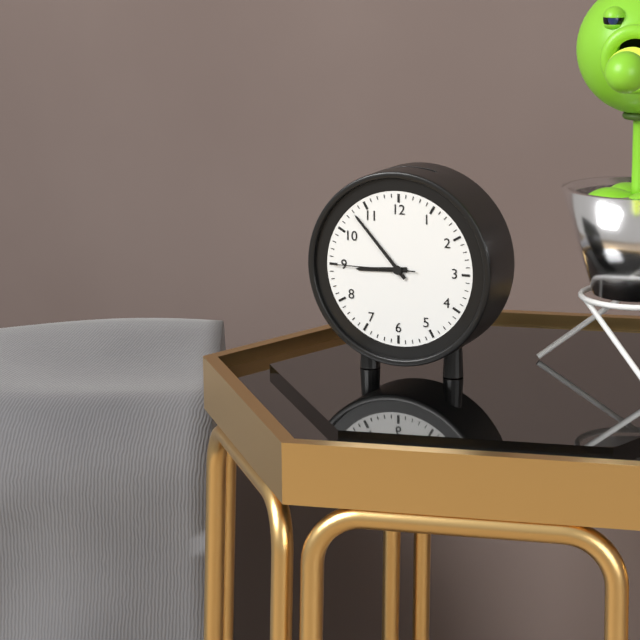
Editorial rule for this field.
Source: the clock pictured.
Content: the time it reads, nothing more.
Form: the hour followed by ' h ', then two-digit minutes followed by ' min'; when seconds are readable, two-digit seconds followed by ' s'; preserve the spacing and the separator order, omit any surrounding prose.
8 h 53 min 45 s
